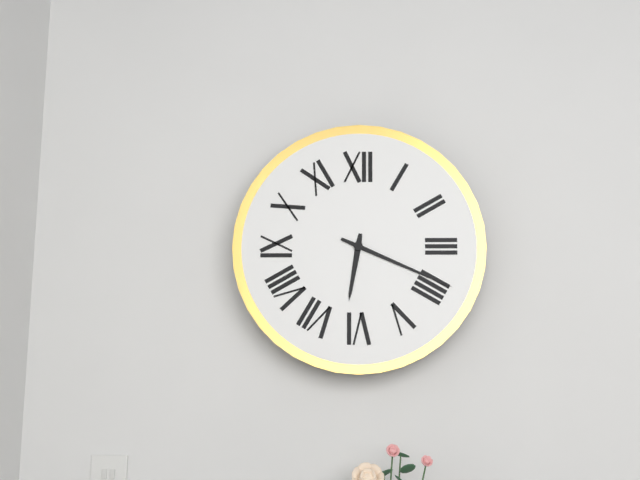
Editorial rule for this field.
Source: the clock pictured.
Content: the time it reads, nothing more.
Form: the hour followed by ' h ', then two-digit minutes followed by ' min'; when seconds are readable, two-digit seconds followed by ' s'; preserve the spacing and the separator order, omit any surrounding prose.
6 h 19 min
